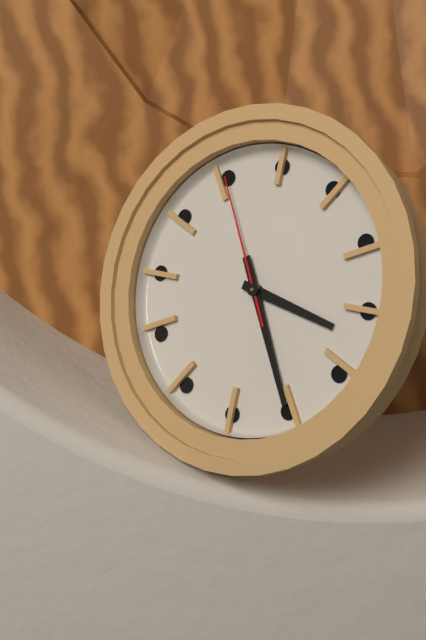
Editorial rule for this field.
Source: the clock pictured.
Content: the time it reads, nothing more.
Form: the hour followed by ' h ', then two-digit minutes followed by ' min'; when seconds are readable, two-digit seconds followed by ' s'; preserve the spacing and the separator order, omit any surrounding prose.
3 h 25 min 55 s
